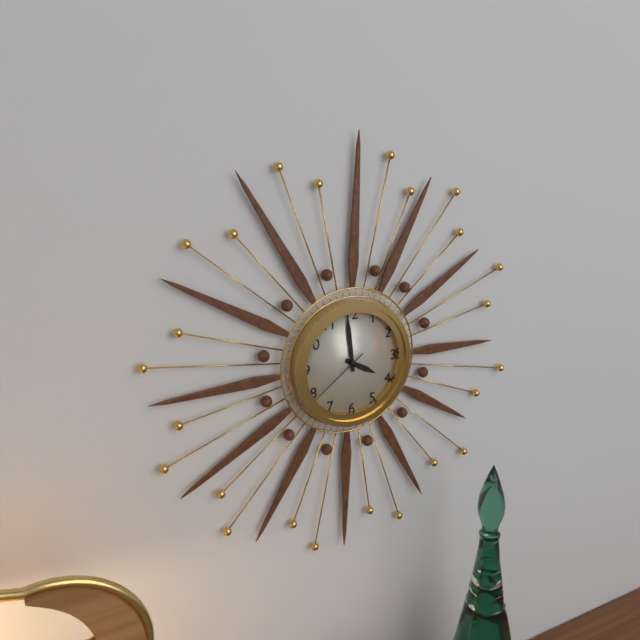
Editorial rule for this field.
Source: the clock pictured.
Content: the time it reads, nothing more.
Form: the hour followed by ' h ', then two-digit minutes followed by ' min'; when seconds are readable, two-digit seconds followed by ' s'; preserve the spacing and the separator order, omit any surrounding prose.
3 h 59 min 39 s
